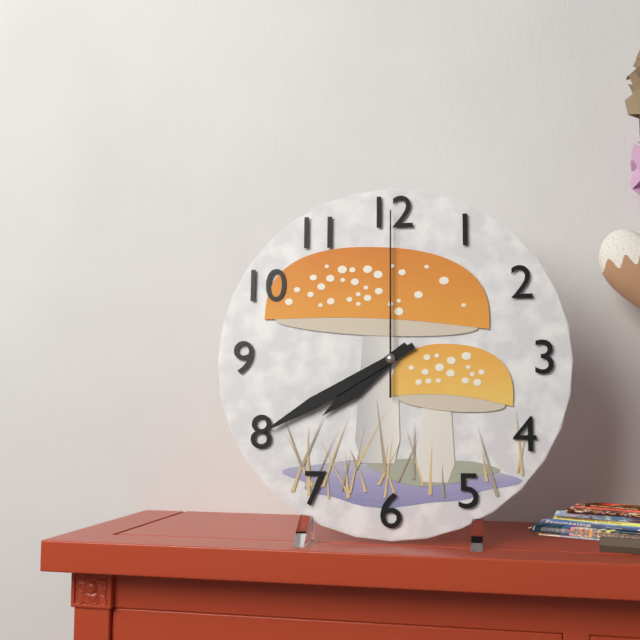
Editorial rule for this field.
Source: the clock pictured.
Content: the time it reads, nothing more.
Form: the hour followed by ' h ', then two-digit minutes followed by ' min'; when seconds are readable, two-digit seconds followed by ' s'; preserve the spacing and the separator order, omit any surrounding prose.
7 h 40 min 00 s
